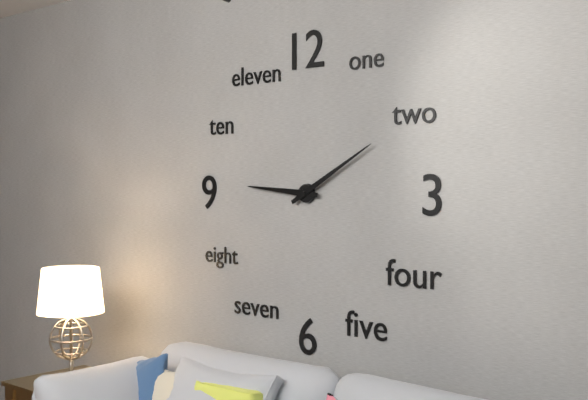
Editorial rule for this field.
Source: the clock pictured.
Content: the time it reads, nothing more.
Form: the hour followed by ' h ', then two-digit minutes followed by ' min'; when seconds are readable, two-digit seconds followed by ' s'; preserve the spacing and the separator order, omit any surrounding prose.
9 h 10 min
